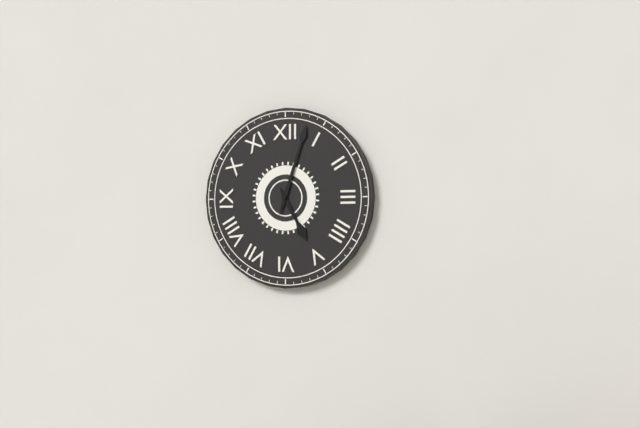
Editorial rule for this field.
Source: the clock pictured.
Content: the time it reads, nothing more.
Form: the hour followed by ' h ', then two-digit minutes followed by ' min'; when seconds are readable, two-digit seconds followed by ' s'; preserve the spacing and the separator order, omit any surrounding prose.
5 h 03 min
